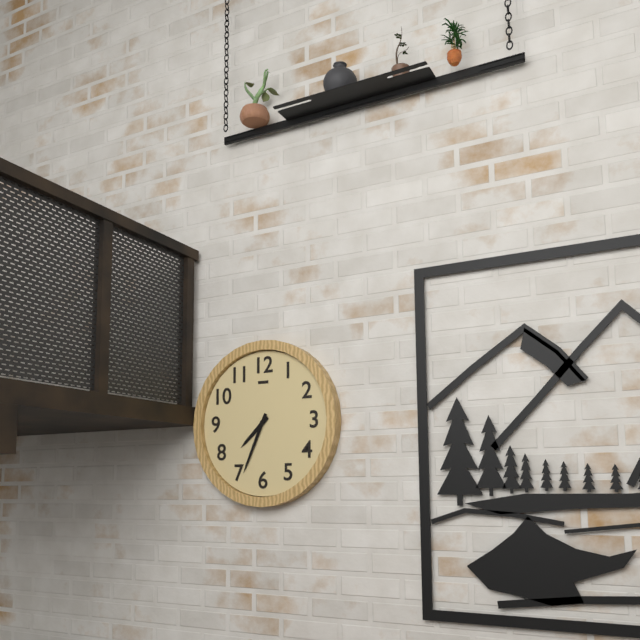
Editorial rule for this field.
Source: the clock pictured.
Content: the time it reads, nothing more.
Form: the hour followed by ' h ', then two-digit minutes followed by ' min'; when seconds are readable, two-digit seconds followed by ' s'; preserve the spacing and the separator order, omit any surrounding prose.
7 h 34 min
